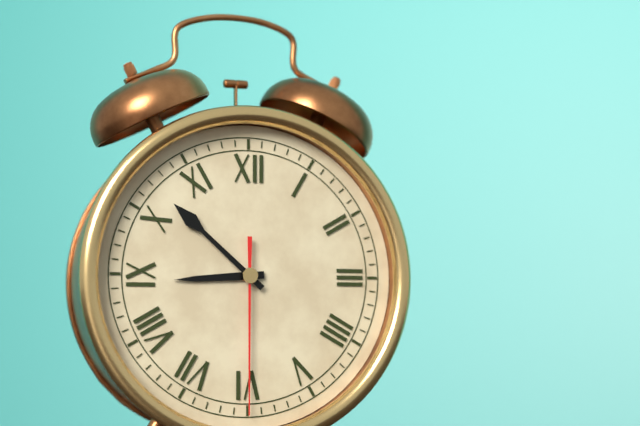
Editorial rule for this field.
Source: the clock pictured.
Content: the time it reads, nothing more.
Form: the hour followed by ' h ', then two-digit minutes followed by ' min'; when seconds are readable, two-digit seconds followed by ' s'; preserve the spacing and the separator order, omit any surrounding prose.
8 h 52 min 30 s
